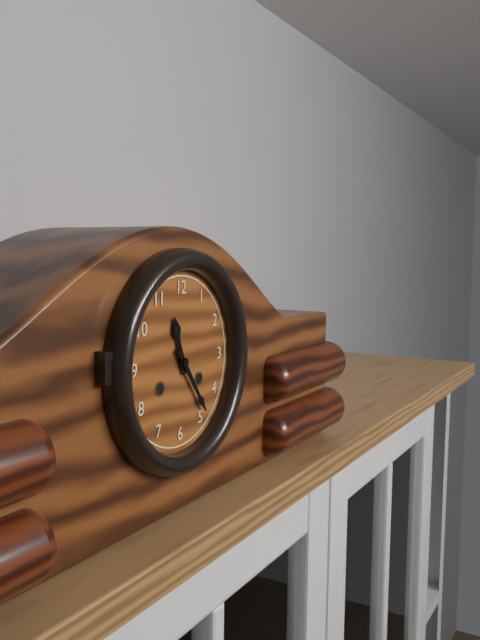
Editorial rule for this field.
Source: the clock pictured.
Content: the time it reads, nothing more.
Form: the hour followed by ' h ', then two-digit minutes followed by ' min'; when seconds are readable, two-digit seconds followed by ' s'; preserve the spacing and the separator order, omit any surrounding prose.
11 h 24 min
